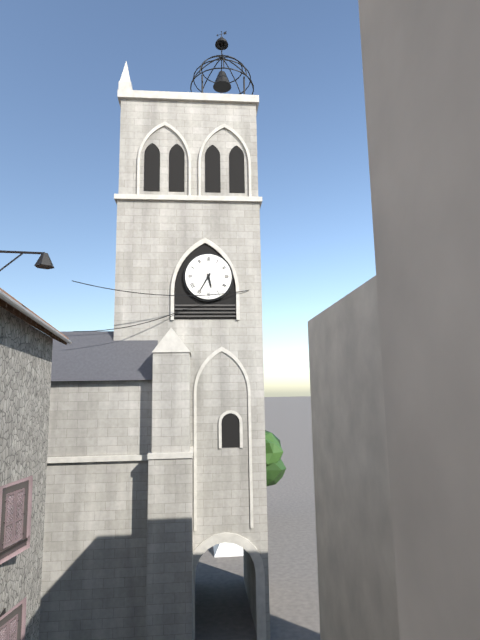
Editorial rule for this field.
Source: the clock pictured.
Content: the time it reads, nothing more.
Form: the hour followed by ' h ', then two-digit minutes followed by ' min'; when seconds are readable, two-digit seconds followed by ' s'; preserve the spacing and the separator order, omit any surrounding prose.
5 h 35 min
